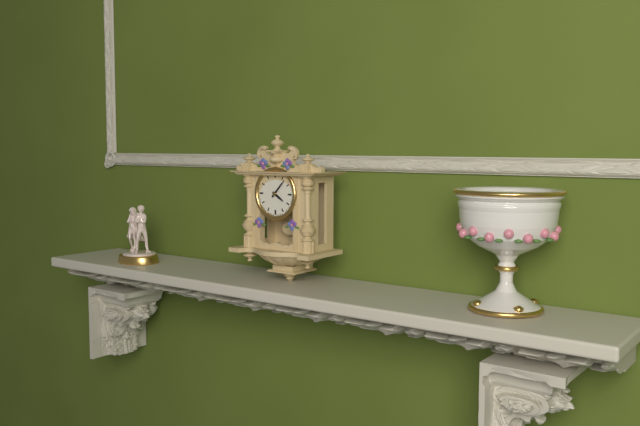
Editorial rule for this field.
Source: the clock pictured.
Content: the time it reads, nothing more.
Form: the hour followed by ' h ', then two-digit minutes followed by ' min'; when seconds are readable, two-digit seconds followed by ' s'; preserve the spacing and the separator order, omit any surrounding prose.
4 h 07 min
